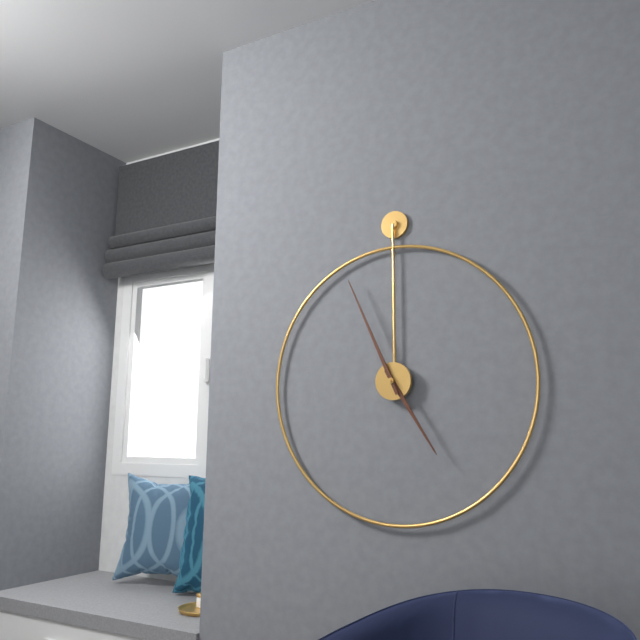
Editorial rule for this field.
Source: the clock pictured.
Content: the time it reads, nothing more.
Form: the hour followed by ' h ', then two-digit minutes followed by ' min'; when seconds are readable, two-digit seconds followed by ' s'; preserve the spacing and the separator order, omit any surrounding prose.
4 h 56 min
